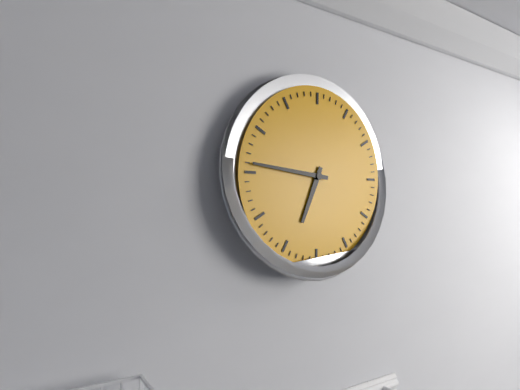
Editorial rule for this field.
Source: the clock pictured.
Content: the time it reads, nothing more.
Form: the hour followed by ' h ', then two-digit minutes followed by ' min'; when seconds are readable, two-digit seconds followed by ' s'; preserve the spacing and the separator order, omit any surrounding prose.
6 h 46 min
